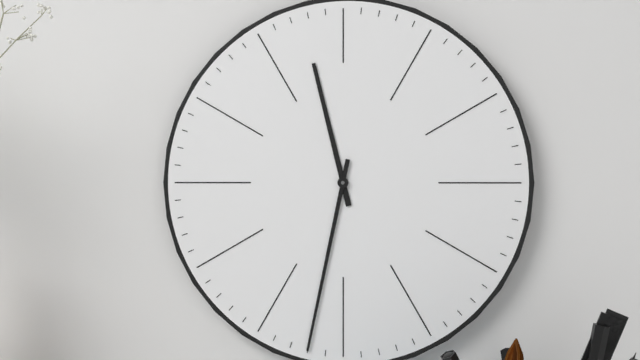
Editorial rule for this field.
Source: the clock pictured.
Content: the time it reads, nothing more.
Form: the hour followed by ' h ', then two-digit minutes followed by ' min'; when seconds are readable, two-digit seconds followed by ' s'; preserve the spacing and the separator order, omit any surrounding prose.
11 h 32 min
